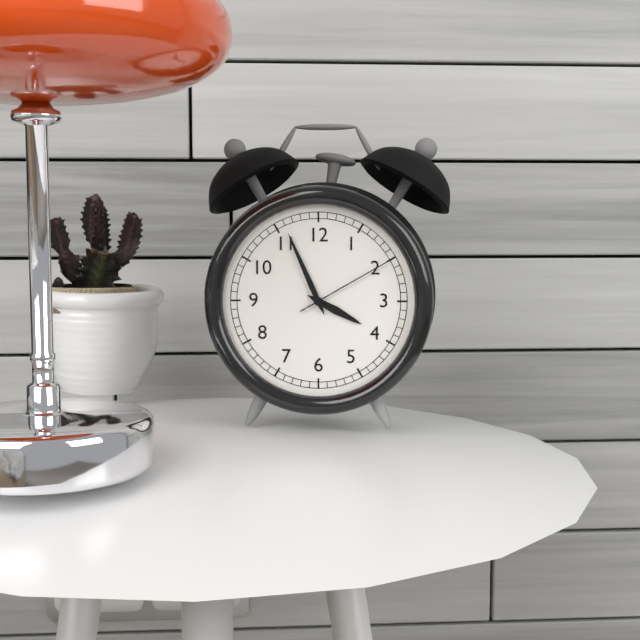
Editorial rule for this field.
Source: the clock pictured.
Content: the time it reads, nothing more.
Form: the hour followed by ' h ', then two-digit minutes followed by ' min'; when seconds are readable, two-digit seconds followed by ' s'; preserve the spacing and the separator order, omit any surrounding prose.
3 h 56 min 10 s
